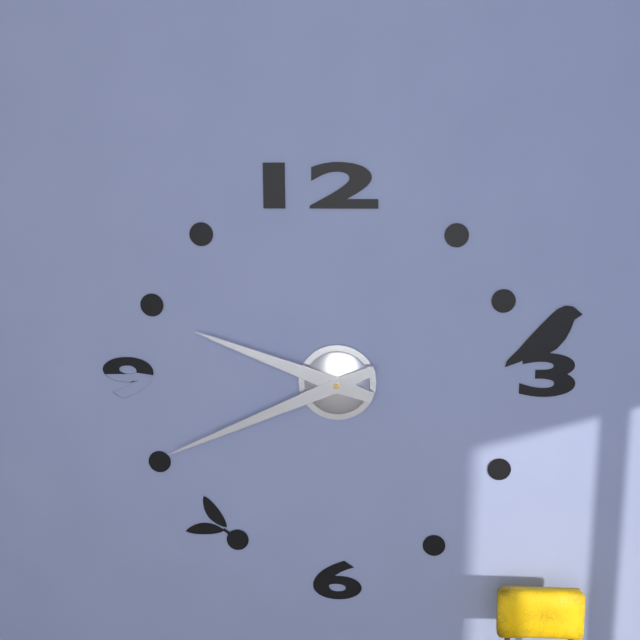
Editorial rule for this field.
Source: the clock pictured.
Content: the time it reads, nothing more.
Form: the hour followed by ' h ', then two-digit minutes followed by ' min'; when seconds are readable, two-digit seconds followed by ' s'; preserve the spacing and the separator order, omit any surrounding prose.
9 h 41 min
